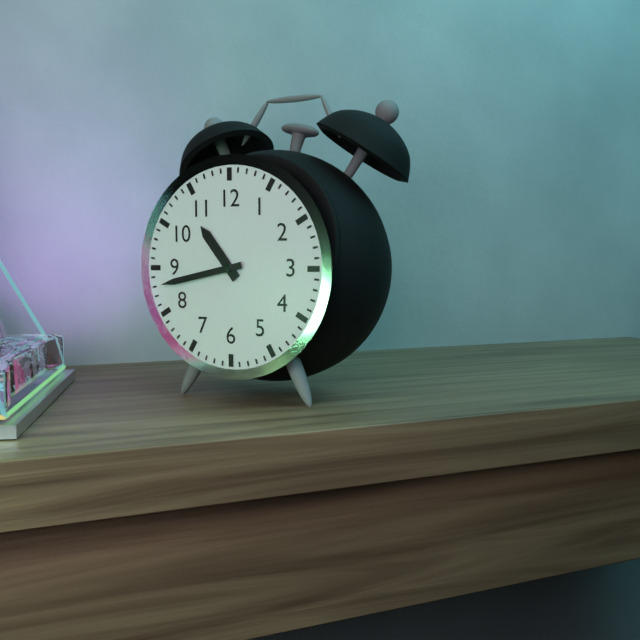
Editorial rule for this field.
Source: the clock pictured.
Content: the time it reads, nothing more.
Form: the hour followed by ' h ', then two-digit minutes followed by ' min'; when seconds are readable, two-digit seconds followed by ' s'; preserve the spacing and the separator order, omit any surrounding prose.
10 h 43 min
